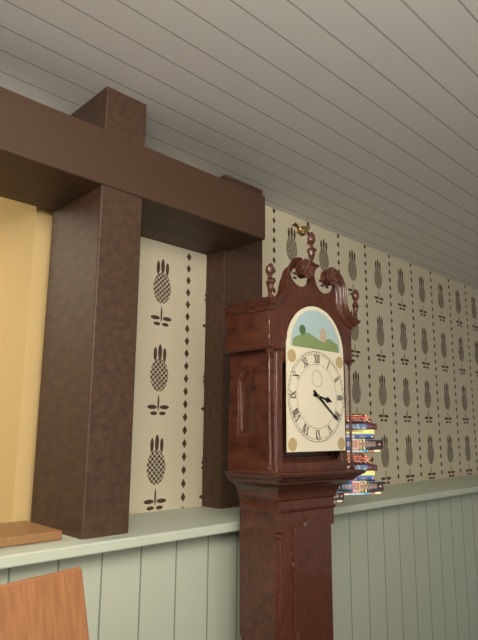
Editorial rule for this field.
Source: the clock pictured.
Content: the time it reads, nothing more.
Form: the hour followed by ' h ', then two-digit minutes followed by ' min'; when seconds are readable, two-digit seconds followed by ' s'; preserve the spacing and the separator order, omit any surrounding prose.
3 h 21 min
